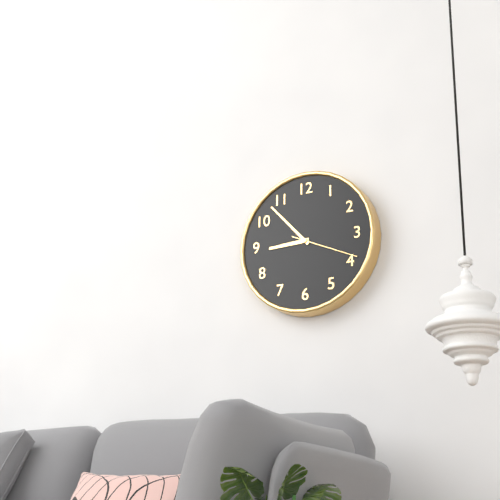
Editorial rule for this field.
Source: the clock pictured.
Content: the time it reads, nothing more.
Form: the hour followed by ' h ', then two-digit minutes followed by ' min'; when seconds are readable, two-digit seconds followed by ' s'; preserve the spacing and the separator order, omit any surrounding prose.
8 h 53 min 19 s
